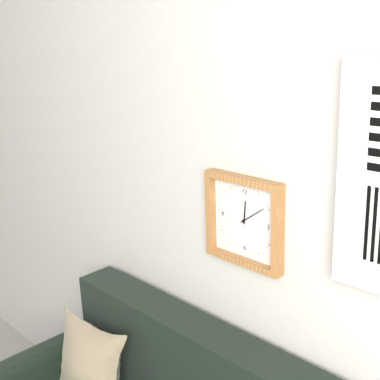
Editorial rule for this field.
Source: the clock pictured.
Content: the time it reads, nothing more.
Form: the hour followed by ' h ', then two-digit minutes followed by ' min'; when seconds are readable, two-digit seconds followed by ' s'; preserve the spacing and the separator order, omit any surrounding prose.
12 h 09 min
